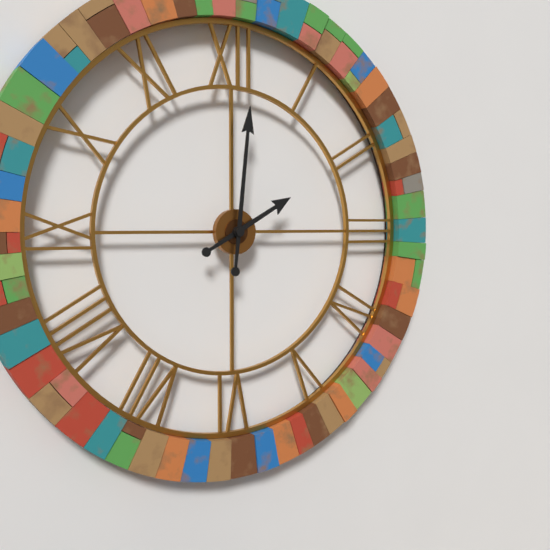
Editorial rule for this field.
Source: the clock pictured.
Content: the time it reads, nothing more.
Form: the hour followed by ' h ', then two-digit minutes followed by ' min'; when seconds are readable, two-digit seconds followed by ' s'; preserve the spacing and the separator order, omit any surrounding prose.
2 h 01 min
